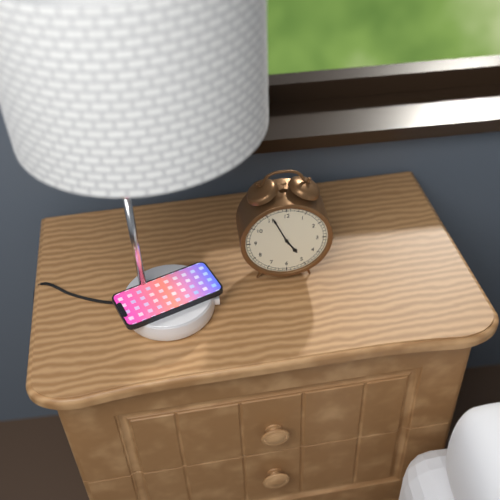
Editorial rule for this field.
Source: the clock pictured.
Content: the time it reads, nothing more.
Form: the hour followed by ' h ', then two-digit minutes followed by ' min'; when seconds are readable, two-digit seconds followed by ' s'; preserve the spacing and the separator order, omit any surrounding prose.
4 h 56 min
